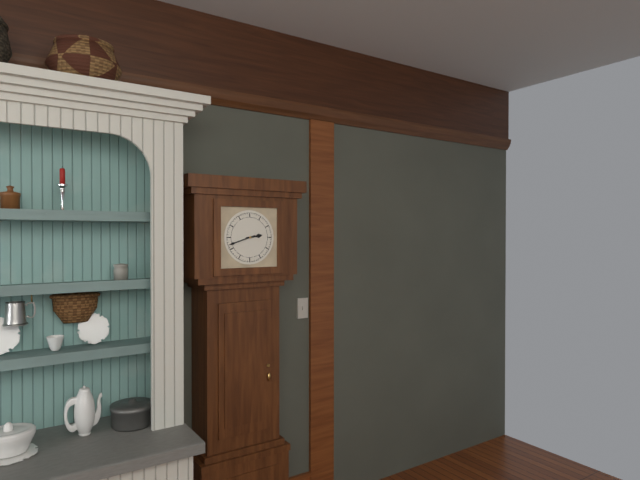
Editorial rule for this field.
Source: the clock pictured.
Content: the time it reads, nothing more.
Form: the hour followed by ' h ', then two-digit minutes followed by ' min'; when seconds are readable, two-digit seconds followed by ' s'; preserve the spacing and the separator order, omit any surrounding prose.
2 h 42 min
